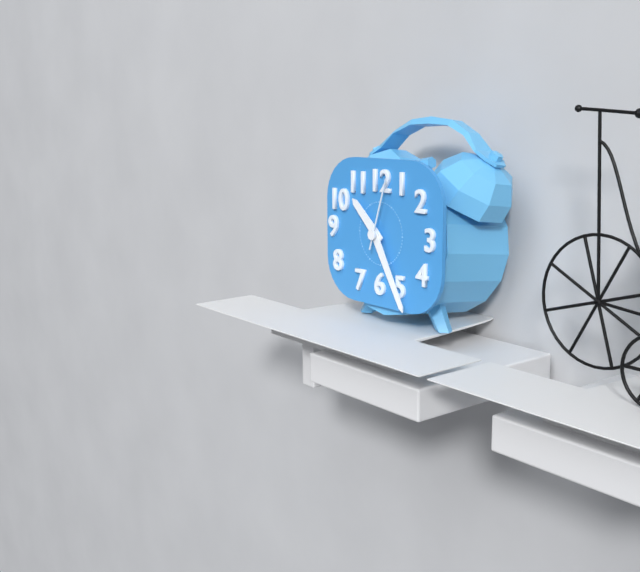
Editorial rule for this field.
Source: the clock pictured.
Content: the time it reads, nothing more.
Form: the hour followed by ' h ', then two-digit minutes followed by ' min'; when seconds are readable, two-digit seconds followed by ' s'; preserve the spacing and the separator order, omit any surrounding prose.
10 h 25 min 03 s
